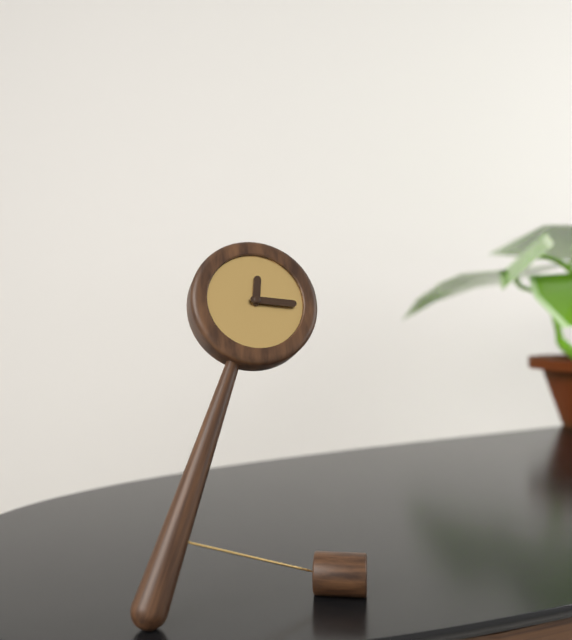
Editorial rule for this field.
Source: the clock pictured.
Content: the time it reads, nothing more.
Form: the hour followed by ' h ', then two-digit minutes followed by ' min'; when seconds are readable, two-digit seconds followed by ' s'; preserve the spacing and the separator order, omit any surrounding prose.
12 h 16 min
